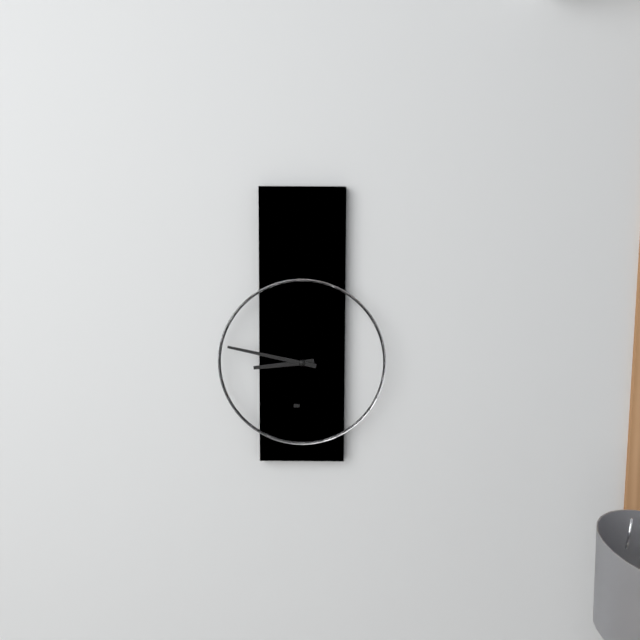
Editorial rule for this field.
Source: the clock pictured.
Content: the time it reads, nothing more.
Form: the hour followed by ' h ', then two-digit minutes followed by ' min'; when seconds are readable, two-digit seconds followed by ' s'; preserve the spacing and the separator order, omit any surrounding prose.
8 h 47 min
